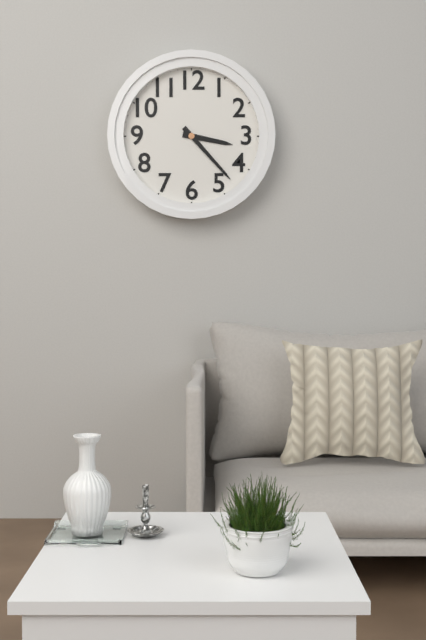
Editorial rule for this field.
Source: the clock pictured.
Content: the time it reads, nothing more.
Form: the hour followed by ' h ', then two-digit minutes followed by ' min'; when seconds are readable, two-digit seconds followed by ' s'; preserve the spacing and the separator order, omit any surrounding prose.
3 h 23 min
